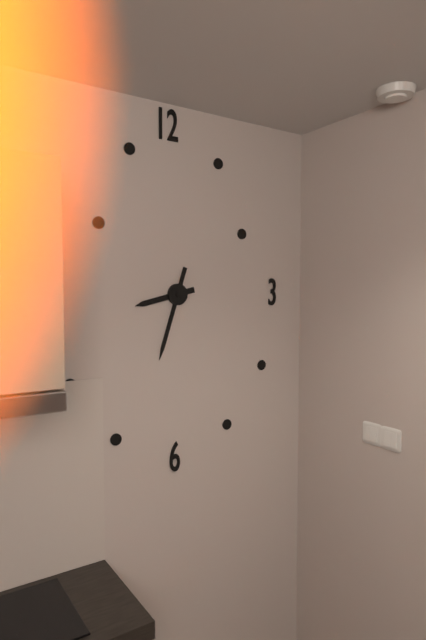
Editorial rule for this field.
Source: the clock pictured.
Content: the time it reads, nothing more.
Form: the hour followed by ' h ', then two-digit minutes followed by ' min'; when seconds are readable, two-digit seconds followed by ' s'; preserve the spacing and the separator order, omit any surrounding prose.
8 h 33 min
